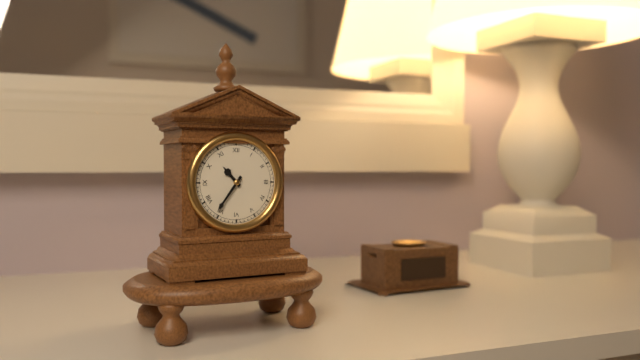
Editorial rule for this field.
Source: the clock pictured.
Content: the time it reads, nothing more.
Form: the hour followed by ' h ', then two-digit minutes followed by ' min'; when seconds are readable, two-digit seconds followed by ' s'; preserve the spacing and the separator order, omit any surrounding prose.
10 h 36 min
